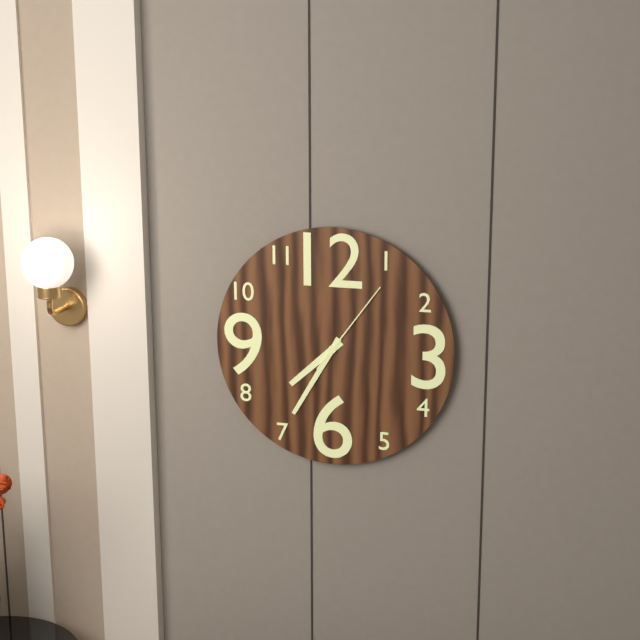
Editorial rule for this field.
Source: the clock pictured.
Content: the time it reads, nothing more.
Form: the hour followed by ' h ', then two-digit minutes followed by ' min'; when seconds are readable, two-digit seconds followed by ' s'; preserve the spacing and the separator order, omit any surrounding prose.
7 h 35 min 06 s
